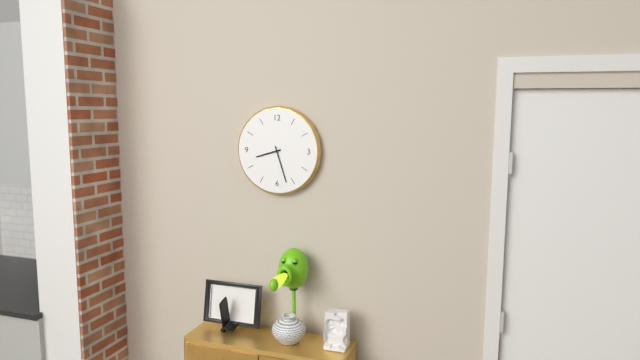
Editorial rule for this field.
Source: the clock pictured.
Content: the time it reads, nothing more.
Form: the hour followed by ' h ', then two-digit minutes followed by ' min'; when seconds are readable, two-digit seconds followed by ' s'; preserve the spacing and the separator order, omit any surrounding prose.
8 h 27 min
